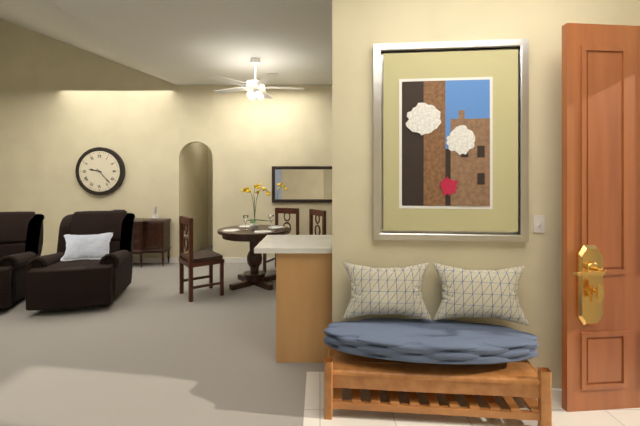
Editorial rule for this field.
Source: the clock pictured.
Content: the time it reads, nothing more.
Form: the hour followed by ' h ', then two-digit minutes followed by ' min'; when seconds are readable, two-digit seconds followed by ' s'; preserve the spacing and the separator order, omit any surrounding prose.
9 h 23 min
